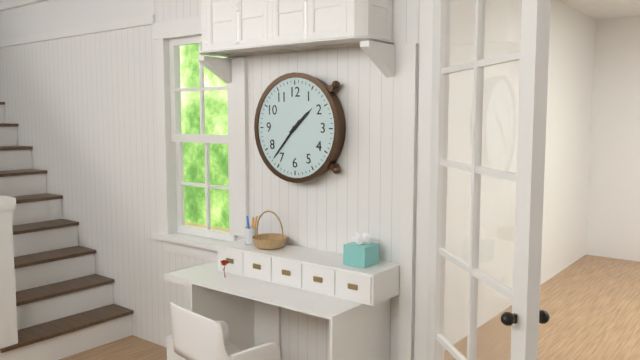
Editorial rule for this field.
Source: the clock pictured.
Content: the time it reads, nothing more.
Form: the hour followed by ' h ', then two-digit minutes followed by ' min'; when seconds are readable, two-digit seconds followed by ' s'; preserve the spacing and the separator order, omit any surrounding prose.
1 h 37 min
